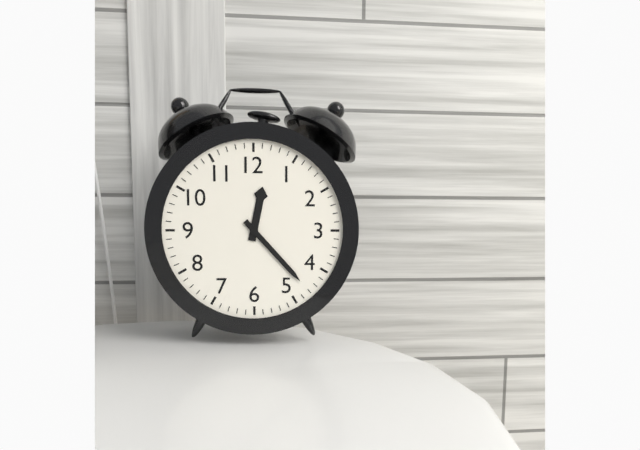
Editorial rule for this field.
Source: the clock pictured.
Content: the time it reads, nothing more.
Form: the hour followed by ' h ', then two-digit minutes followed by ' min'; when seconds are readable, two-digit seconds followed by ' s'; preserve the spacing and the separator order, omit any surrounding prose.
12 h 23 min
